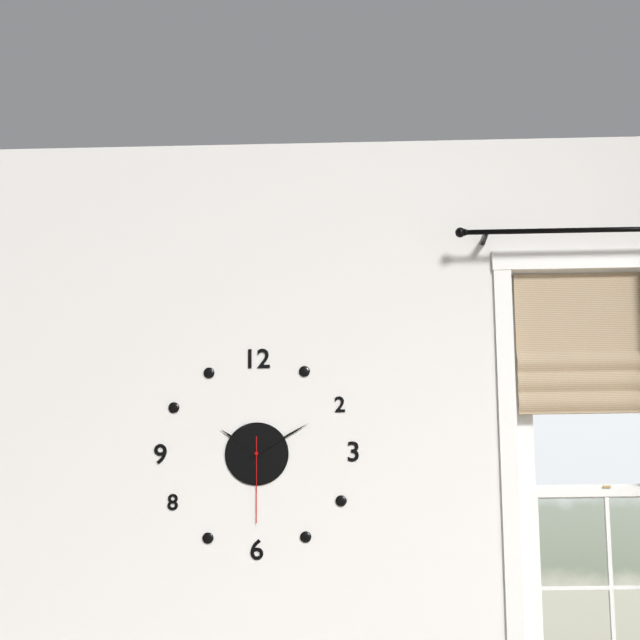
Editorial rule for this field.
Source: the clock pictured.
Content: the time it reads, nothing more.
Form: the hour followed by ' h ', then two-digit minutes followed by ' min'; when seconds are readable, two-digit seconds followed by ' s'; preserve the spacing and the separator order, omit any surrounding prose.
10 h 10 min 30 s
